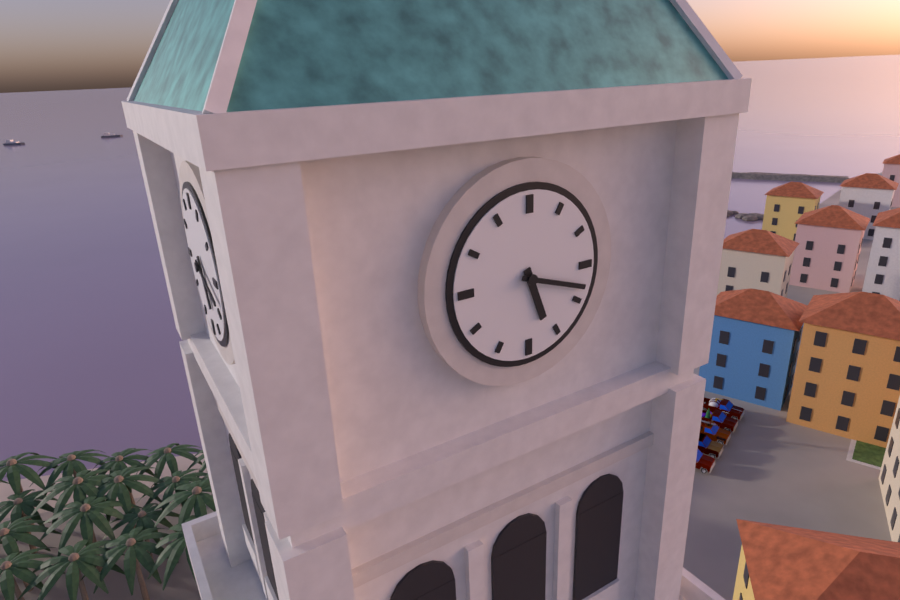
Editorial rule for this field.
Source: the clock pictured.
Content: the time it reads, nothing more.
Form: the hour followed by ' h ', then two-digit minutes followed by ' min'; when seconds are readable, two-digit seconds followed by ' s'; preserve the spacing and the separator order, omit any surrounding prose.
5 h 18 min
